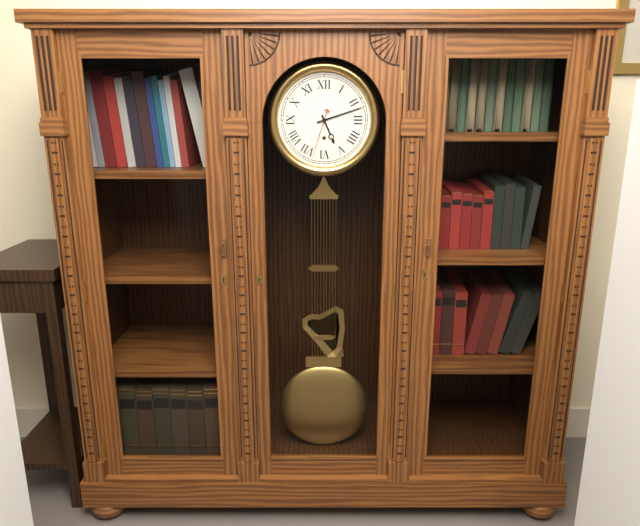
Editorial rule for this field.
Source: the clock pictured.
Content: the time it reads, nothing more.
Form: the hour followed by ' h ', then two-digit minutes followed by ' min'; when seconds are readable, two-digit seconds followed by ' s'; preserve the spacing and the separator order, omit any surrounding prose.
5 h 12 min
